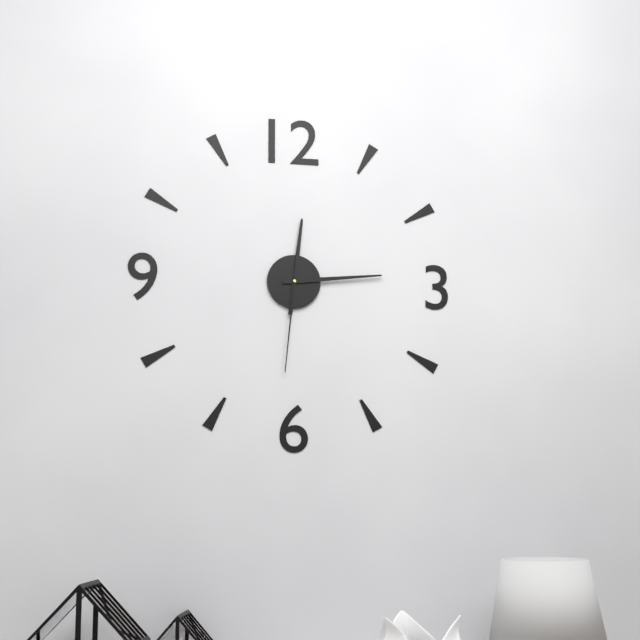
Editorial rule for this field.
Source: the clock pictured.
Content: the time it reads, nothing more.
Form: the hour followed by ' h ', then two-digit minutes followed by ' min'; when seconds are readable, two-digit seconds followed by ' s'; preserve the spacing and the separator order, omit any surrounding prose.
12 h 14 min 31 s
